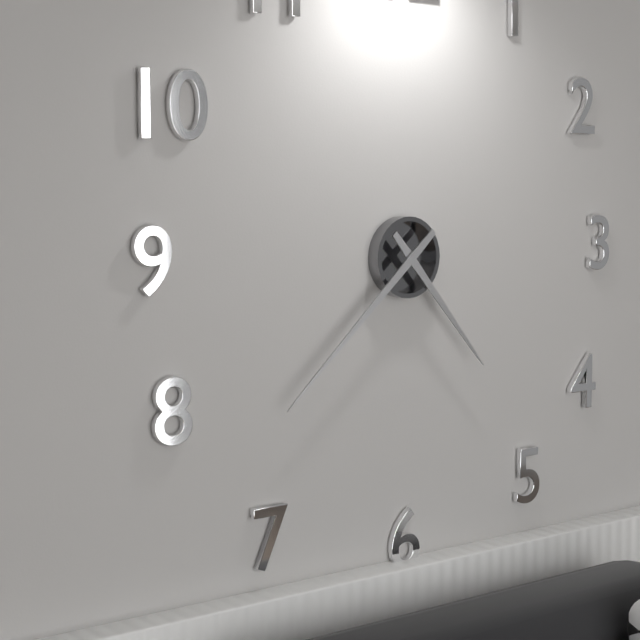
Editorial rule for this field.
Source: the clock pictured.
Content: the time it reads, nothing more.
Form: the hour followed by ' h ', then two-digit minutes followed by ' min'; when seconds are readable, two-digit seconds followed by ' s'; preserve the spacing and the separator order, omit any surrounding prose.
4 h 38 min
